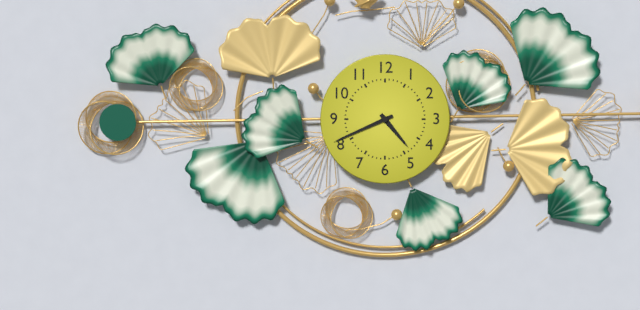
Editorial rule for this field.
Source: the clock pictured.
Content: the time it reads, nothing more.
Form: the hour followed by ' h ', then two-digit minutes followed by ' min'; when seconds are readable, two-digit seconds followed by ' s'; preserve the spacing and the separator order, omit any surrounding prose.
4 h 41 min
